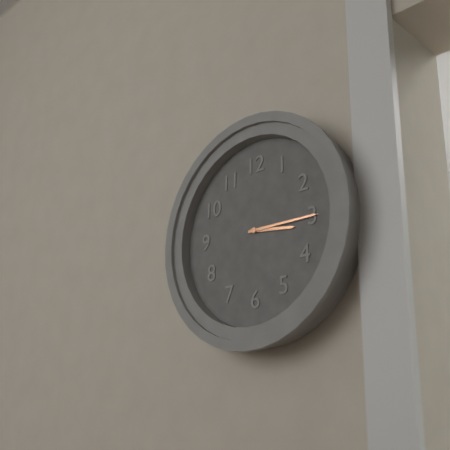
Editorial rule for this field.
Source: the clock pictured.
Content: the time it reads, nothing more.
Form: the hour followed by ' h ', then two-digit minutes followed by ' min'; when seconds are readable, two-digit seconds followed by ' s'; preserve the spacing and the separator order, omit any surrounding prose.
3 h 15 min
